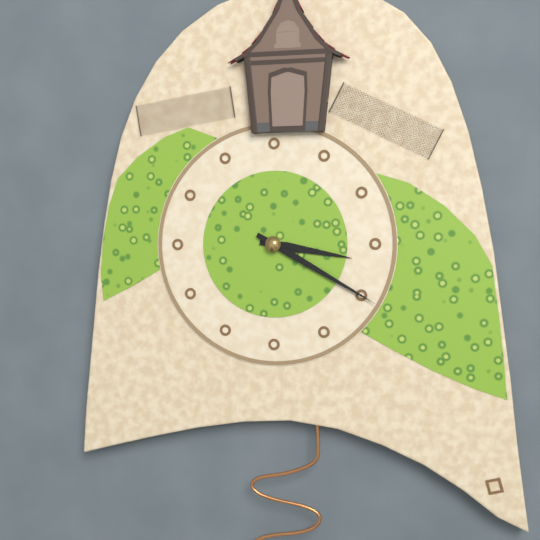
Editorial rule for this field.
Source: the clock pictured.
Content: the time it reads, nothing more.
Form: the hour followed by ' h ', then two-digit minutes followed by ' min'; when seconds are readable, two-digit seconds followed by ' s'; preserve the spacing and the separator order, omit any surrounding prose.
3 h 20 min
